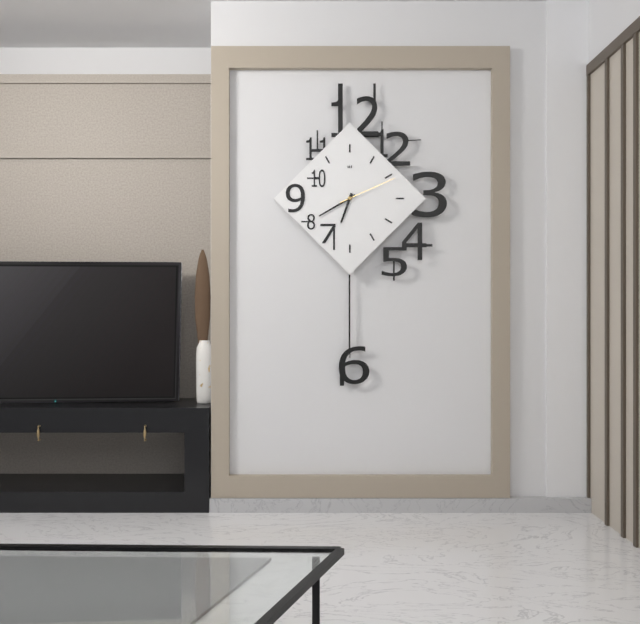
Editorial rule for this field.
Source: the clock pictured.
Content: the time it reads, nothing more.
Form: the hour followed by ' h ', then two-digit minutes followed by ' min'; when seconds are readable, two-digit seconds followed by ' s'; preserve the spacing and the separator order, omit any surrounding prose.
6 h 40 min 11 s
